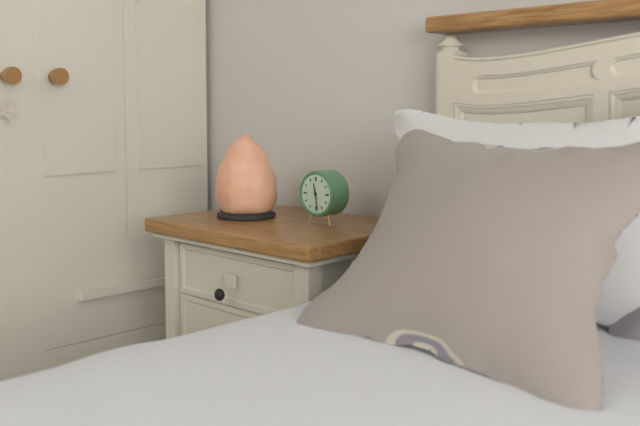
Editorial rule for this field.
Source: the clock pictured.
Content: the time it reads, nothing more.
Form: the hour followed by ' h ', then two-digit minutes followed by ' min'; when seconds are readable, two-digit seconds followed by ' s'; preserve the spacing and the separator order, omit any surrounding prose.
11 h 28 min
